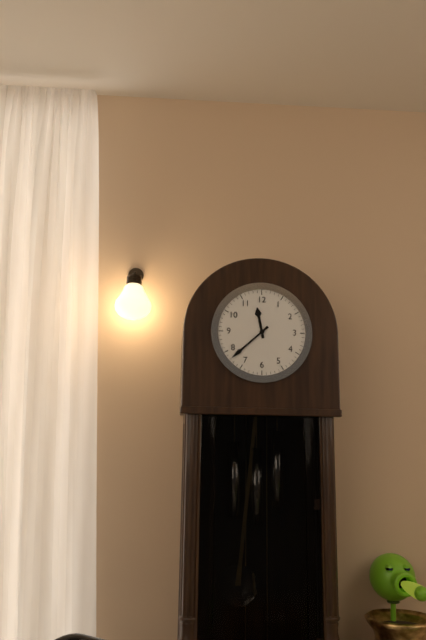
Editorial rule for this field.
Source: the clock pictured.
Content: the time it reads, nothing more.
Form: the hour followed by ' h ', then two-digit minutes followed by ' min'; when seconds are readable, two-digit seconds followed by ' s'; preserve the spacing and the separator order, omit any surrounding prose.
11 h 38 min
